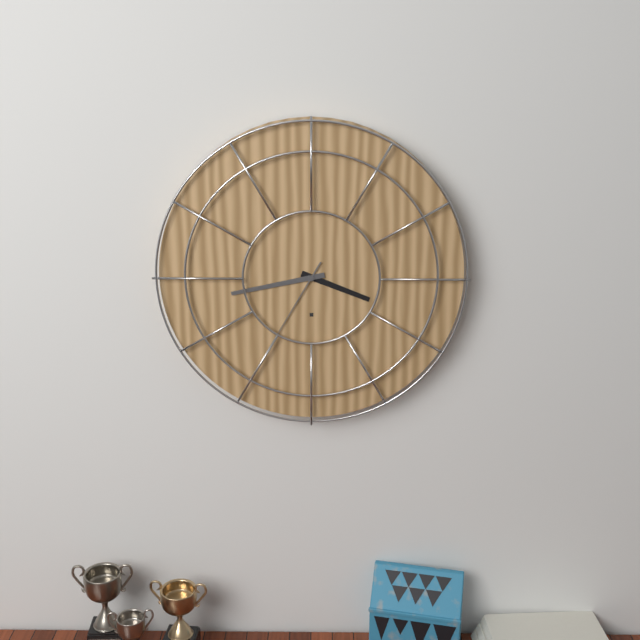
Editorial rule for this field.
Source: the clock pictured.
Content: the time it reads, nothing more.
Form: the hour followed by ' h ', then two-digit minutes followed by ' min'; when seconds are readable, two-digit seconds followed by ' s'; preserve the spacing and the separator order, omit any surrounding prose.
3 h 43 min 35 s
